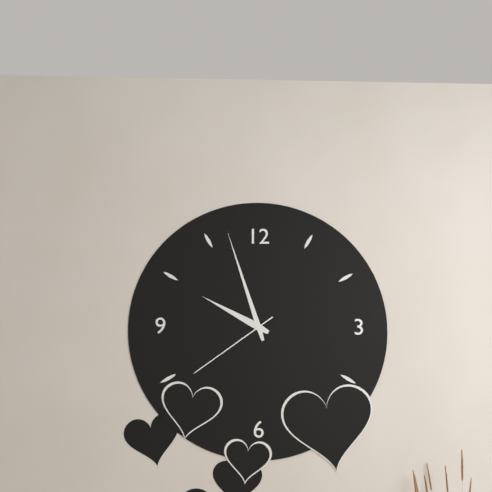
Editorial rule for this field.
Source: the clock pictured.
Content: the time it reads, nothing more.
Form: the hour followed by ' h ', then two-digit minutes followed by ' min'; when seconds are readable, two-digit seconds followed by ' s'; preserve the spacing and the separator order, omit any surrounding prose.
9 h 57 min 39 s
